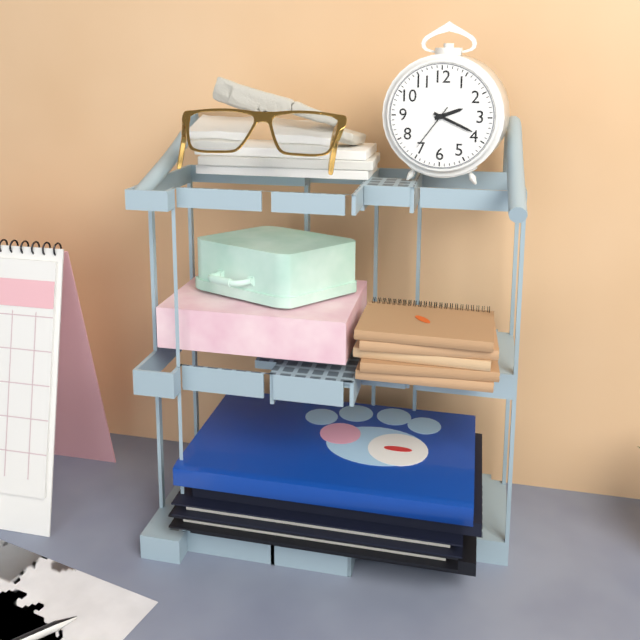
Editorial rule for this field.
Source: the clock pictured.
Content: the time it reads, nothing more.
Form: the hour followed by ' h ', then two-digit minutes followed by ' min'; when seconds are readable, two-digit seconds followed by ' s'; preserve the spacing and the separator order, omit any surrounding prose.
2 h 19 min
